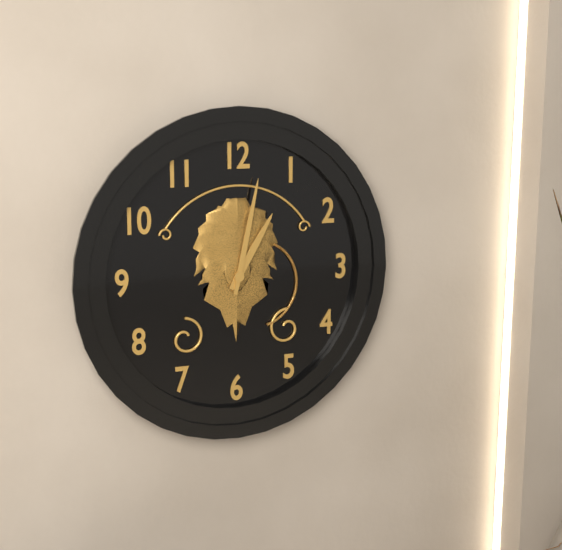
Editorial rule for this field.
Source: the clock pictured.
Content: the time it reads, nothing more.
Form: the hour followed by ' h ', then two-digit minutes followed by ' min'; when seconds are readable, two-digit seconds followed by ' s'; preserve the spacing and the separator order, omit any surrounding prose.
1 h 02 min
